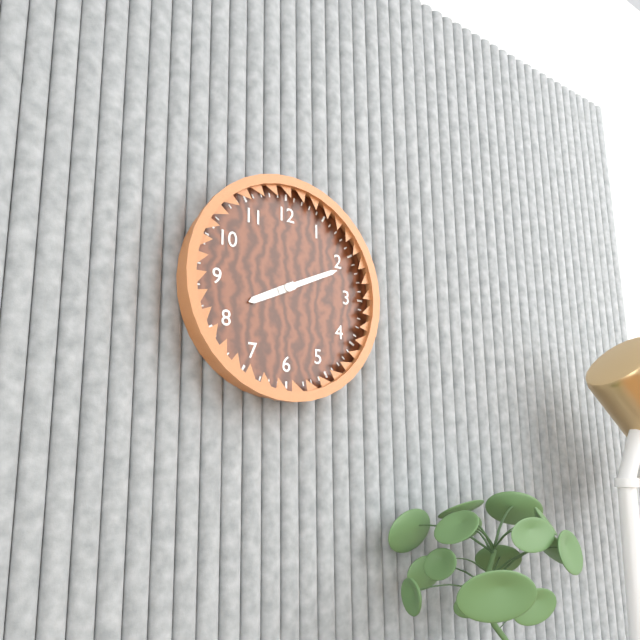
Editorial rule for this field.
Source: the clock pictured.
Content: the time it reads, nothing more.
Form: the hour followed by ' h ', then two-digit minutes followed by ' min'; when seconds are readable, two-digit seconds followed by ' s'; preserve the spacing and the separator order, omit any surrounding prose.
8 h 11 min
